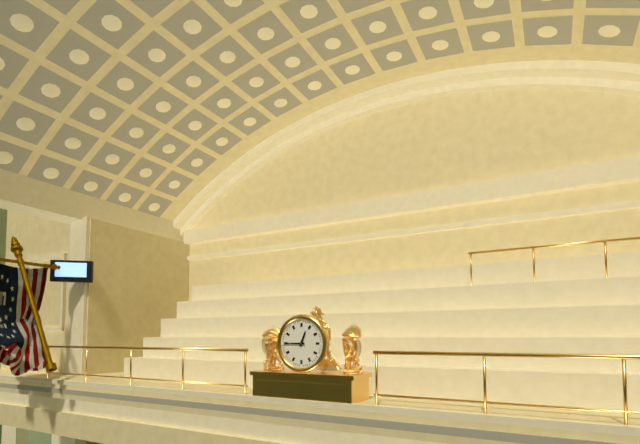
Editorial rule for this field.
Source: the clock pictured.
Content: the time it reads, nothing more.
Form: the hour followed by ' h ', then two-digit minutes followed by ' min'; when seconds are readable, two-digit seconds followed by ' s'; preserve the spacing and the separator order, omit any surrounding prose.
12 h 45 min
